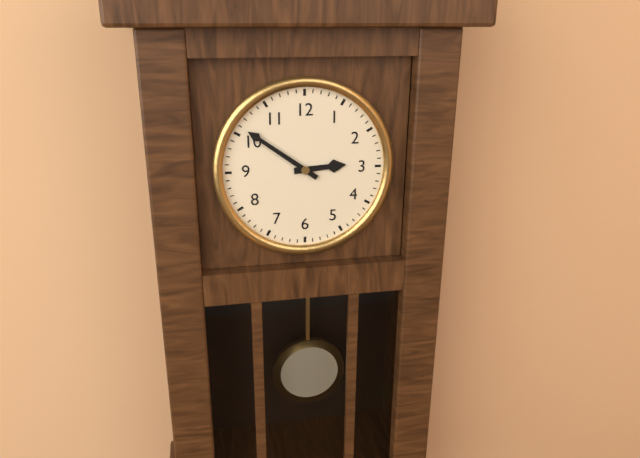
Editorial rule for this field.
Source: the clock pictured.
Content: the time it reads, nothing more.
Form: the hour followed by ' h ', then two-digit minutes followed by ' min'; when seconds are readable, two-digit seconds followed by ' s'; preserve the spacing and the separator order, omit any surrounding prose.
2 h 51 min
